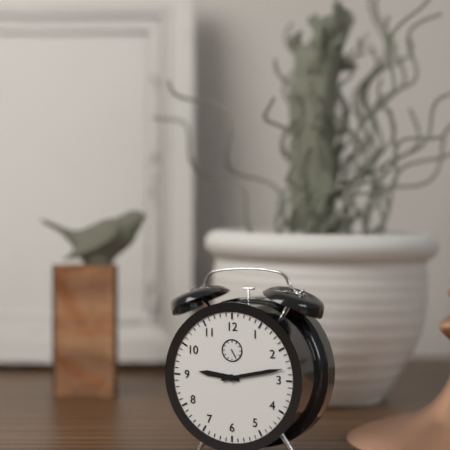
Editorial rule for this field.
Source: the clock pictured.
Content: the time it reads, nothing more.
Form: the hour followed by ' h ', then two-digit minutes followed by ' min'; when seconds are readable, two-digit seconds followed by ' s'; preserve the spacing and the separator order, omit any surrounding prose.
9 h 13 min
